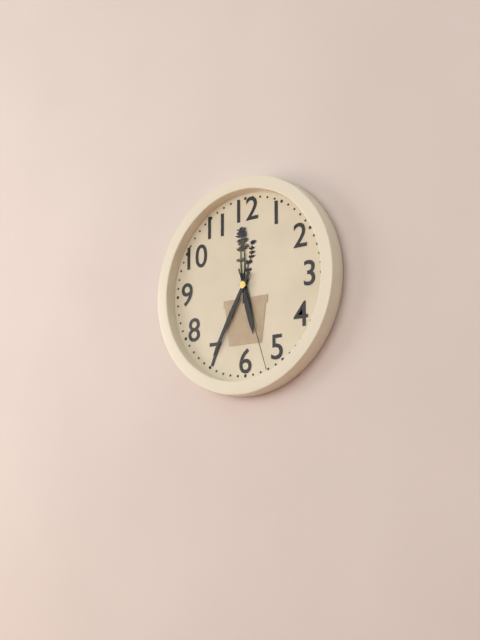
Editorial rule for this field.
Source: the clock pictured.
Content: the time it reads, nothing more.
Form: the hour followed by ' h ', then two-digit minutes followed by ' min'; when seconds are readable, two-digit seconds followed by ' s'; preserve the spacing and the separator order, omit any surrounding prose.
5 h 35 min 27 s
